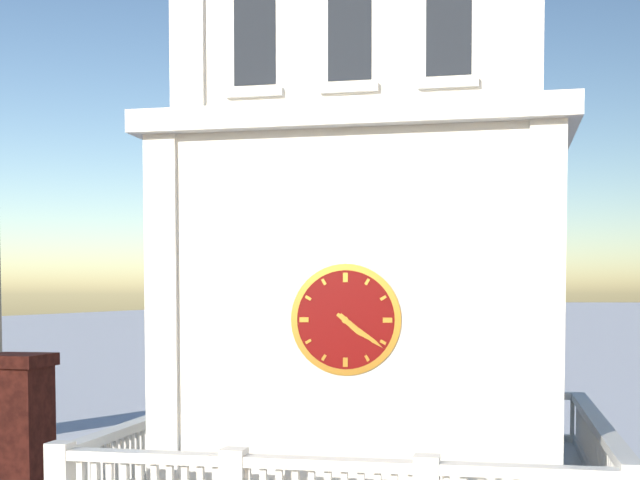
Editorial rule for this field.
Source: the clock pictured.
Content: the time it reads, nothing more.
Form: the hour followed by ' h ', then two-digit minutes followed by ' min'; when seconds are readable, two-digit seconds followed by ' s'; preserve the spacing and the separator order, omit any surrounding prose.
4 h 21 min
